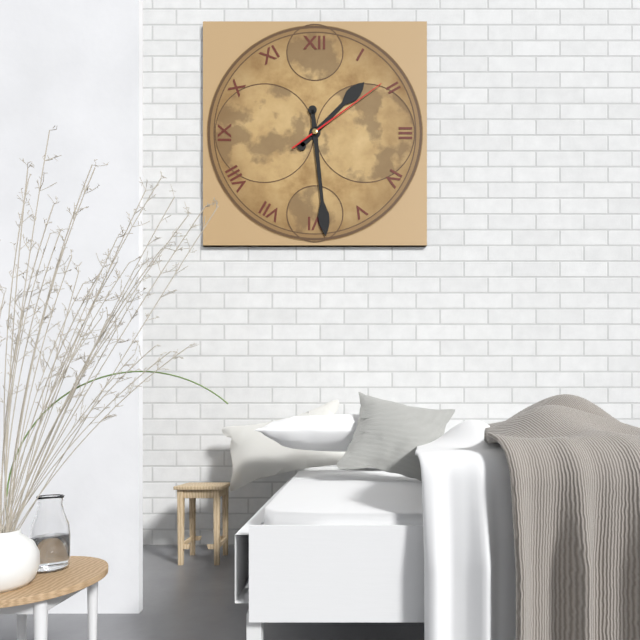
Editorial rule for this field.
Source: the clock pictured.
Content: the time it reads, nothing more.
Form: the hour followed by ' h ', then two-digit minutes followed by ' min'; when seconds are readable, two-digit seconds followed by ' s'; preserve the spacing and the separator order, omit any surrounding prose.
1 h 29 min 09 s
